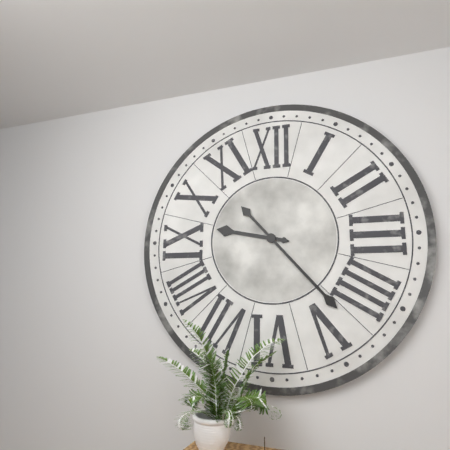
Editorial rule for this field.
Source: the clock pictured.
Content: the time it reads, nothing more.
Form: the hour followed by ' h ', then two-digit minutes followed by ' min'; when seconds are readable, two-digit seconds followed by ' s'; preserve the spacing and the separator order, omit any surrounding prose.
9 h 23 min
